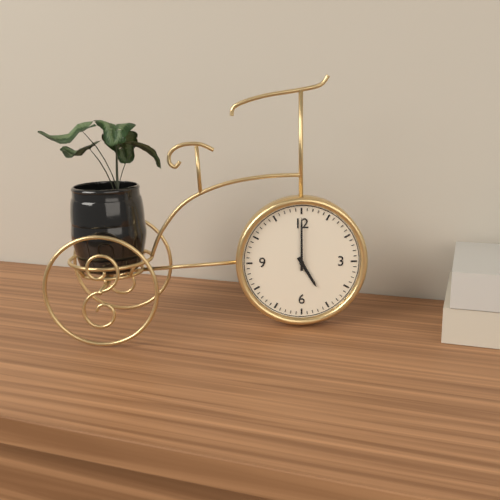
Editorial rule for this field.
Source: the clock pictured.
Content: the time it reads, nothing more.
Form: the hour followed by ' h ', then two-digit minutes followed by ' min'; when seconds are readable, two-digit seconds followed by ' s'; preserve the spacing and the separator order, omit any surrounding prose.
5 h 00 min
